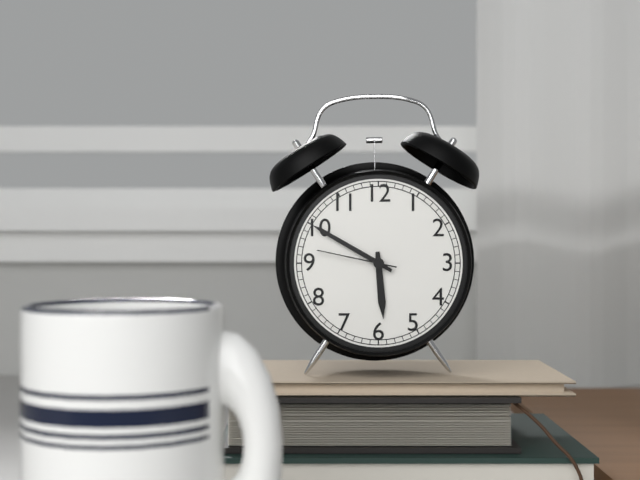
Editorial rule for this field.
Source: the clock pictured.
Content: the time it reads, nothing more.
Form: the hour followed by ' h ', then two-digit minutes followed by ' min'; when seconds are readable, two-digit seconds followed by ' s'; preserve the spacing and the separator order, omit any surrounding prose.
5 h 50 min 47 s
